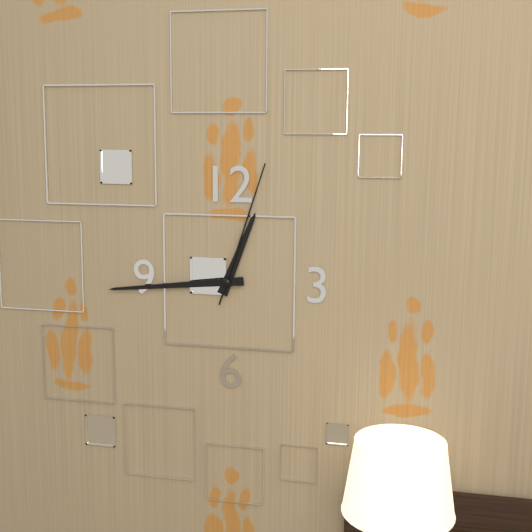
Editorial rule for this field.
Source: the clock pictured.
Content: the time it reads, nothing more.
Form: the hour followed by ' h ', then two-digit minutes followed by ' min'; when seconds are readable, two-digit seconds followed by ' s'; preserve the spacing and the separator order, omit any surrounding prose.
12 h 44 min 03 s
